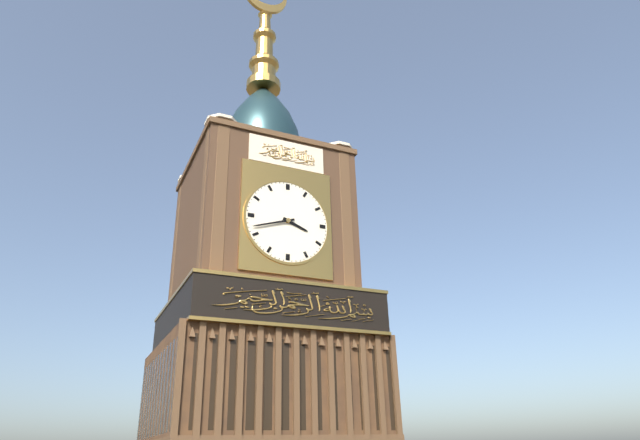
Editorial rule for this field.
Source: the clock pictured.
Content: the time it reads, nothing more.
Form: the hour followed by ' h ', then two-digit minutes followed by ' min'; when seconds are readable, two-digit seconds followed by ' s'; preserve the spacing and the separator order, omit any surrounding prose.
3 h 42 min
